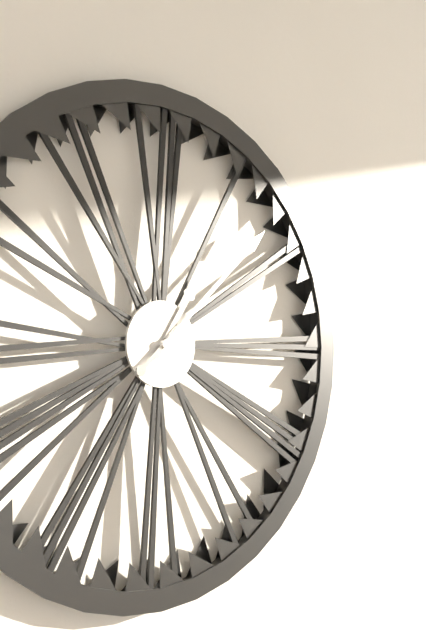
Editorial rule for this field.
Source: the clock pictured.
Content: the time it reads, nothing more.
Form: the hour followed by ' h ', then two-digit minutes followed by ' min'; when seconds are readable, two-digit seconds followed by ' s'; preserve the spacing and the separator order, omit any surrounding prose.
1 h 08 min
